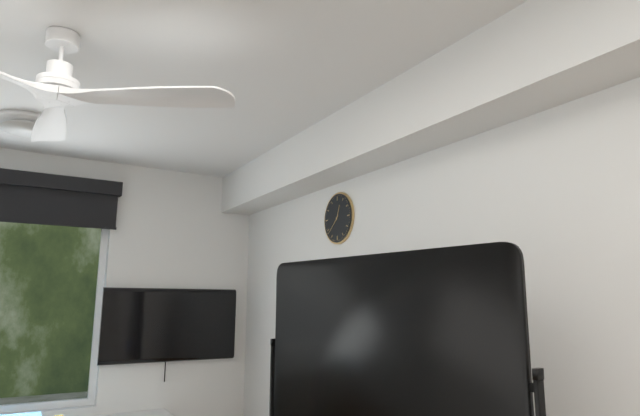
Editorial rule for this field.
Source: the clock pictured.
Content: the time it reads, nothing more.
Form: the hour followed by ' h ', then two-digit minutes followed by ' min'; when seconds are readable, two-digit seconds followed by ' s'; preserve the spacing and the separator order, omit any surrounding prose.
12 h 38 min
